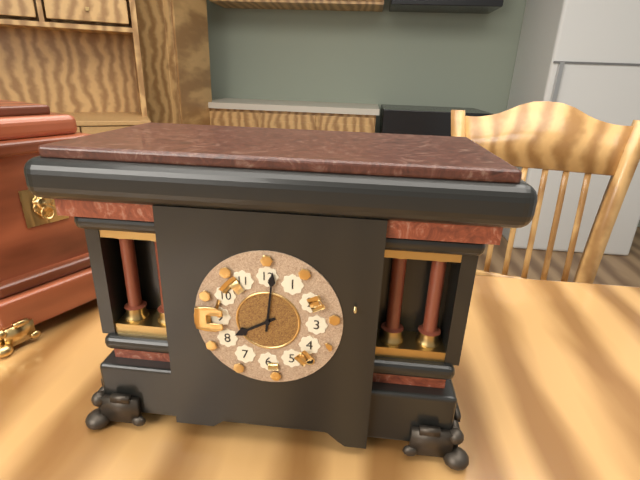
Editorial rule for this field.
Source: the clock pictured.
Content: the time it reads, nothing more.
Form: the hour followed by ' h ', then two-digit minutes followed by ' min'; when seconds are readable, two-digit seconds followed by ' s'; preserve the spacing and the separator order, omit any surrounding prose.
8 h 01 min
